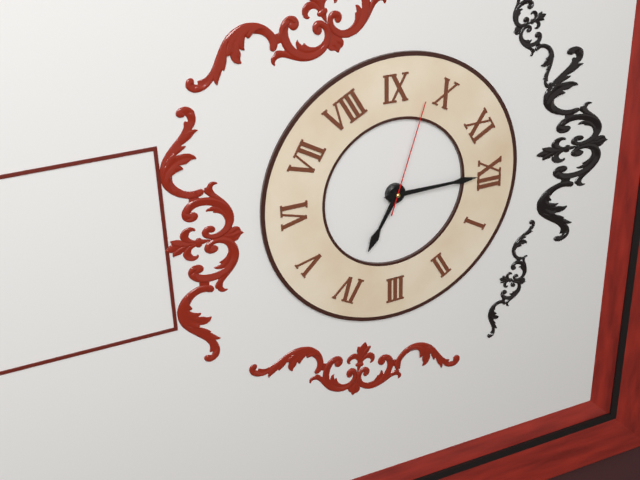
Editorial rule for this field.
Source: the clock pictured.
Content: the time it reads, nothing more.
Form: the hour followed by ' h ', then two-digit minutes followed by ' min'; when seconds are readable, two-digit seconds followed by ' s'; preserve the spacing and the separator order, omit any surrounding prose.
4 h 00 min 48 s
